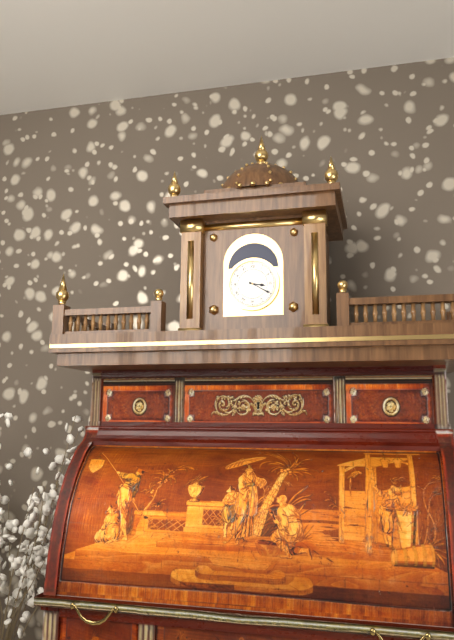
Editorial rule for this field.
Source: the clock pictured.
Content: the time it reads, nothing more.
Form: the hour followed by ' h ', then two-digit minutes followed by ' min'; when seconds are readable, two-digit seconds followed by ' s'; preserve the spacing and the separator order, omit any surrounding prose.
3 h 20 min
